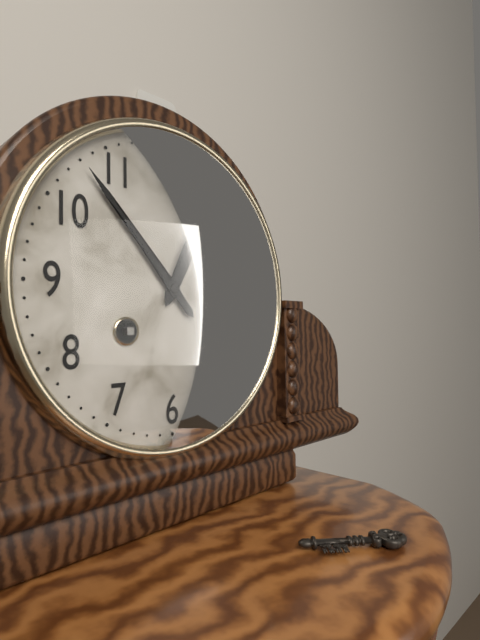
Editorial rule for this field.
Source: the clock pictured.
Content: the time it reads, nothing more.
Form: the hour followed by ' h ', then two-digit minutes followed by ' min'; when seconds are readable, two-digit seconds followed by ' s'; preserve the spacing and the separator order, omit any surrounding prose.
12 h 53 min
